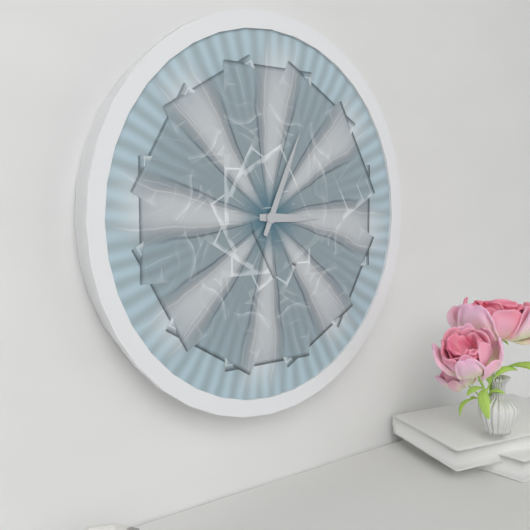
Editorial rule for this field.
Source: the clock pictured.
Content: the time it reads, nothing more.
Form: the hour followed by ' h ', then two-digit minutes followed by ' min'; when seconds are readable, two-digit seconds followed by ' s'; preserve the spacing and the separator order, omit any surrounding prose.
3 h 04 min
